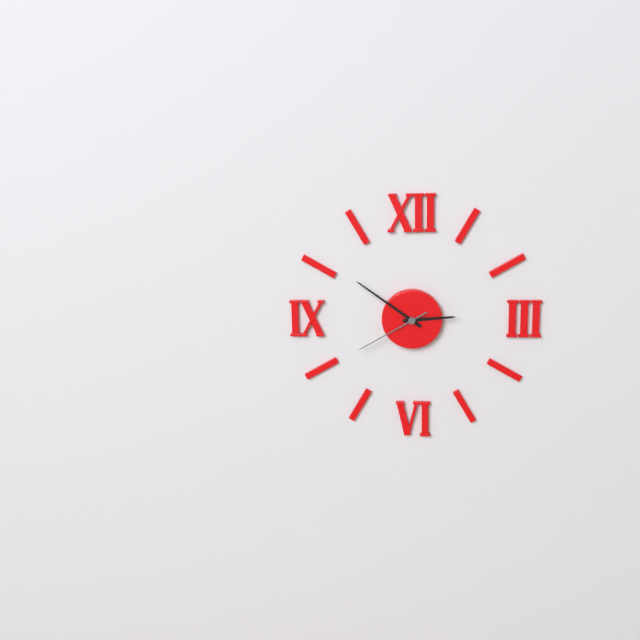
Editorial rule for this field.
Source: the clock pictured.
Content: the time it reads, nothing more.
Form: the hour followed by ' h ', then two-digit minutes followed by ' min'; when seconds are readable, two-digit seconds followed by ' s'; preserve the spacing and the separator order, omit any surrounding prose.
2 h 51 min 40 s
